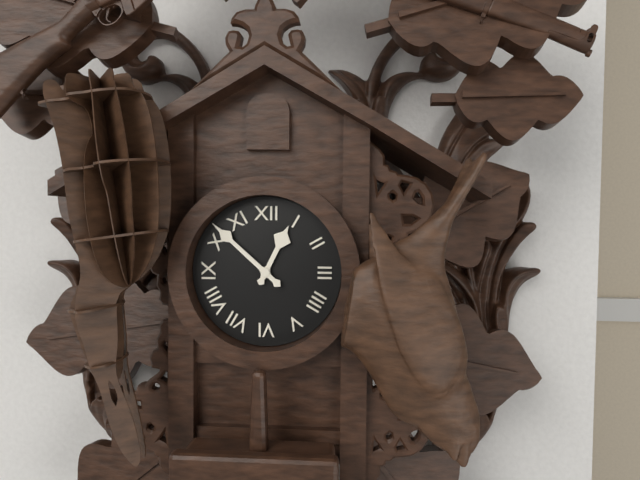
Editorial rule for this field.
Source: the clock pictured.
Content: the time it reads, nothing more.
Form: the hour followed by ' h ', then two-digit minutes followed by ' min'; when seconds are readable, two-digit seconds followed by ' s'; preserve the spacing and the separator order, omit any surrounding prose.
12 h 52 min
